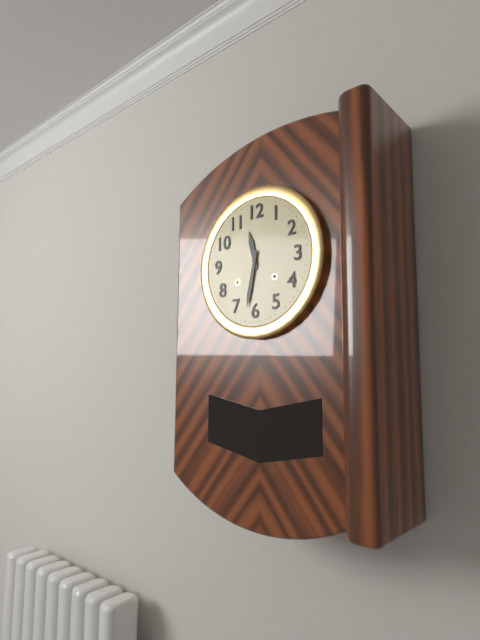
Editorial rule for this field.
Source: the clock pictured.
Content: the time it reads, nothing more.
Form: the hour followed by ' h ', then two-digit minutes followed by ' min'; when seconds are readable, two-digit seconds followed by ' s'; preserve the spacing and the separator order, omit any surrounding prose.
11 h 32 min
